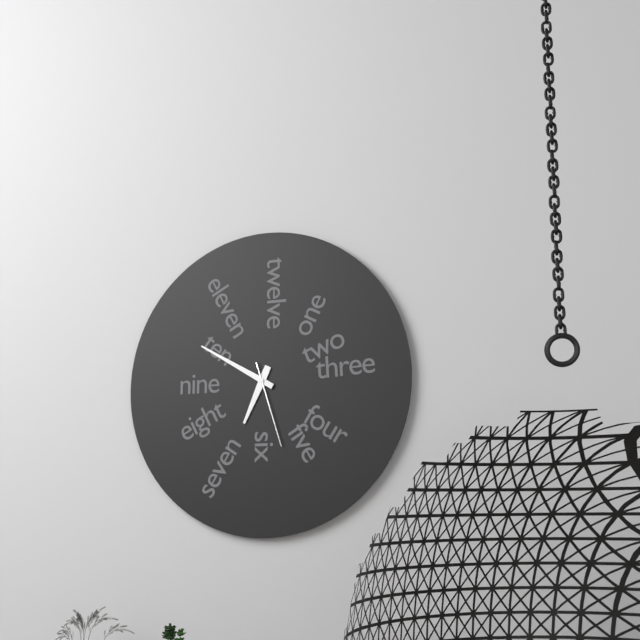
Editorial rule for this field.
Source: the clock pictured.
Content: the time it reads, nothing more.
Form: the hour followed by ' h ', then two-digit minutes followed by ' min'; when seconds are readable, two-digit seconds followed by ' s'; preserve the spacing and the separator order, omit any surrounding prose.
6 h 50 min 27 s
